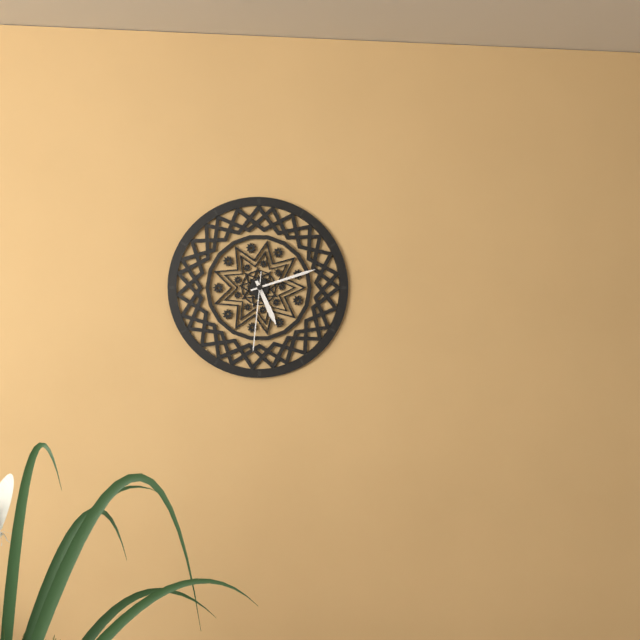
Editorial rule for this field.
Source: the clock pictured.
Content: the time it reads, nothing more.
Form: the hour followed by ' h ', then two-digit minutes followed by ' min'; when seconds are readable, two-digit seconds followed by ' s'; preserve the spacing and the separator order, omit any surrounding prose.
5 h 12 min 31 s
